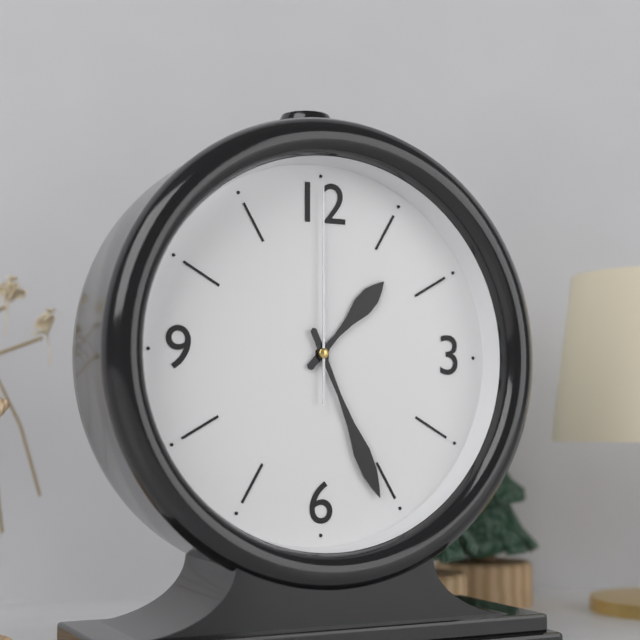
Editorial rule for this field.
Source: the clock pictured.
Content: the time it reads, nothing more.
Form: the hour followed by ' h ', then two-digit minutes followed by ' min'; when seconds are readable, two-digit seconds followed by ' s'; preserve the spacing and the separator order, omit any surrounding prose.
1 h 26 min 00 s
